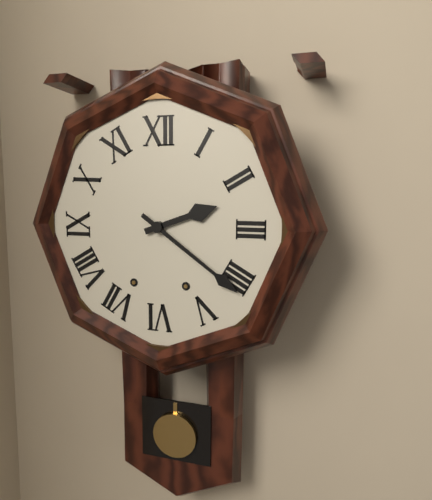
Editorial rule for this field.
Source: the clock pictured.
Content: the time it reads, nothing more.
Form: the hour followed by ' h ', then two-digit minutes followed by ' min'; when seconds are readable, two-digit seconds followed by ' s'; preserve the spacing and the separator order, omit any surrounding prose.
2 h 21 min
